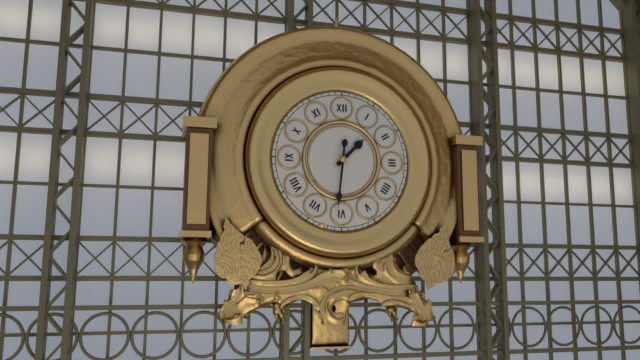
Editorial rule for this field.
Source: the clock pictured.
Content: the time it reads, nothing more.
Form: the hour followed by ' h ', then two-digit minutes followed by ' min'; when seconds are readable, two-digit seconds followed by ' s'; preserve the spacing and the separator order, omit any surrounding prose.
1 h 31 min
